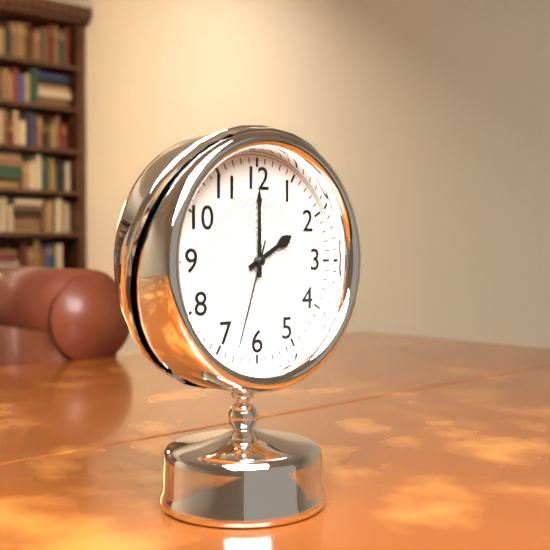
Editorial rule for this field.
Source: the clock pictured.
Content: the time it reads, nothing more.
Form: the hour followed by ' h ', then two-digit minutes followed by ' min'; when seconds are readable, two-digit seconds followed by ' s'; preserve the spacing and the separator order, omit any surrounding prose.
2 h 00 min 33 s
